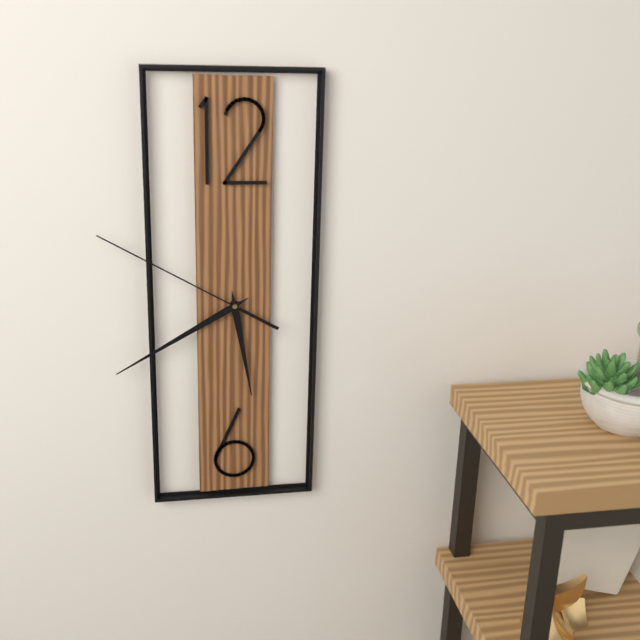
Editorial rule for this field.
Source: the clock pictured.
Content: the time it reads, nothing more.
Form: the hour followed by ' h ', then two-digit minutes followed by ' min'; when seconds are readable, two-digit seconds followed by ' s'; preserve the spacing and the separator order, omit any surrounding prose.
5 h 40 min 50 s
